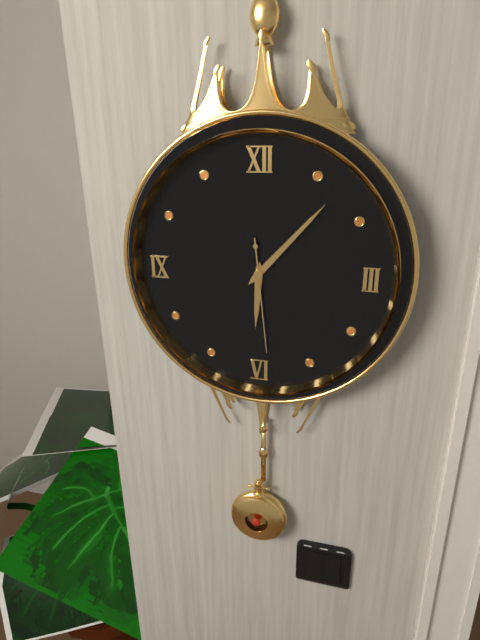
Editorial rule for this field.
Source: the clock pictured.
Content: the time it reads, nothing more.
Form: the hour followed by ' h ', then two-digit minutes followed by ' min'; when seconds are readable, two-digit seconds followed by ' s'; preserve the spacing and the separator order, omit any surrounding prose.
6 h 07 min 29 s
